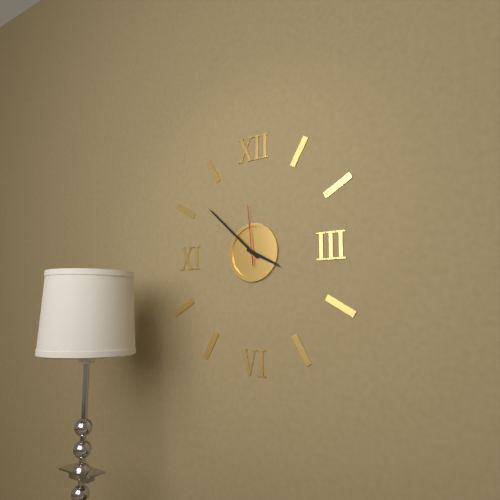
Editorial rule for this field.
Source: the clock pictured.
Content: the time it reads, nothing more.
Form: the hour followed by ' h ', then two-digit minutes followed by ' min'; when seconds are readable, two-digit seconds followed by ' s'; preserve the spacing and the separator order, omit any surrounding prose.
3 h 52 min 59 s
